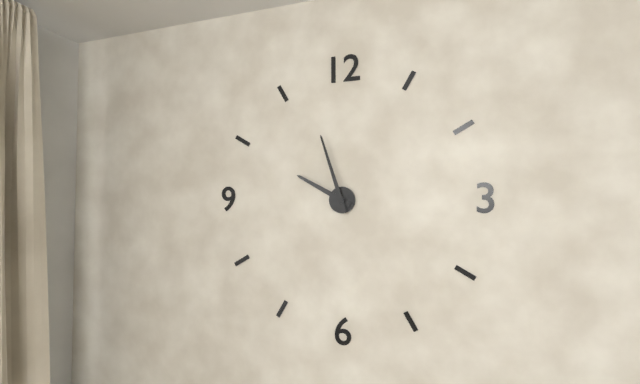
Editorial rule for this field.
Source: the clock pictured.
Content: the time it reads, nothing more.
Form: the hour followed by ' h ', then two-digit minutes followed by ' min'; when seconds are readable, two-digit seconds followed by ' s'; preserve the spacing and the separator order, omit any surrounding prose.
9 h 57 min
